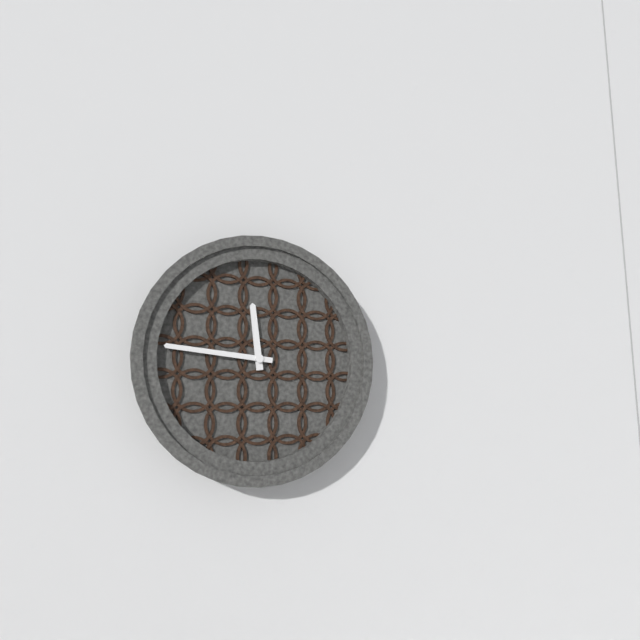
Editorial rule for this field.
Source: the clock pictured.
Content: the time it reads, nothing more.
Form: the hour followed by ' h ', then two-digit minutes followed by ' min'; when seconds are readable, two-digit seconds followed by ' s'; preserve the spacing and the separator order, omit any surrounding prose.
11 h 46 min
